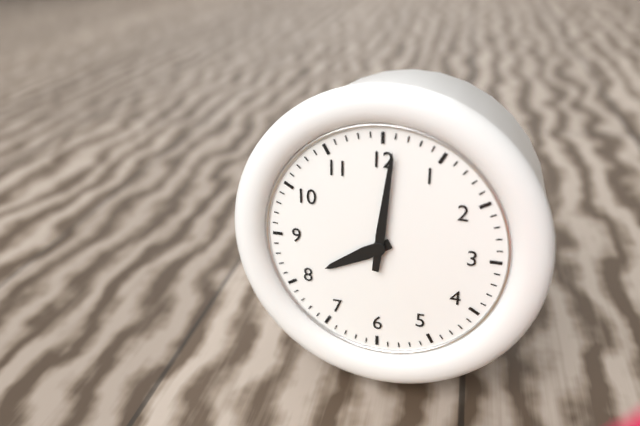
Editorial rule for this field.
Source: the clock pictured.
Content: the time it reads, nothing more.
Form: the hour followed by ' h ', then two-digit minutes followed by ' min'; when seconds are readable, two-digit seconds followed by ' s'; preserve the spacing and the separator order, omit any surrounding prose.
8 h 01 min
